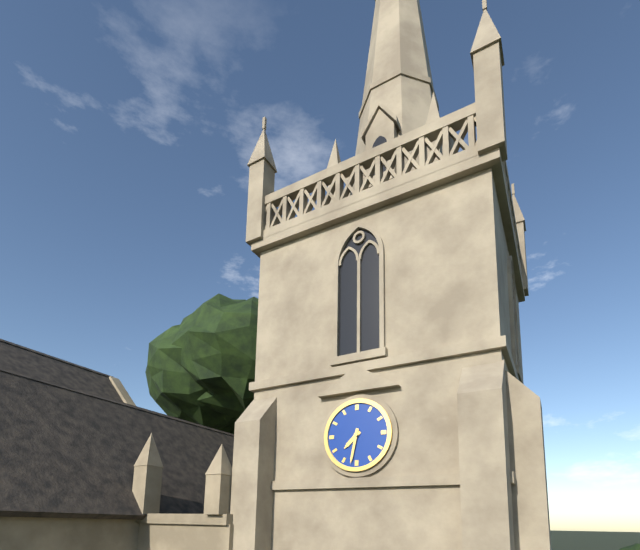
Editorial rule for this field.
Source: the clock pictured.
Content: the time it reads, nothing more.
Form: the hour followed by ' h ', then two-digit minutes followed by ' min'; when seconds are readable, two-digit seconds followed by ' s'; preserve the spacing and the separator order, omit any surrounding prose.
7 h 32 min
